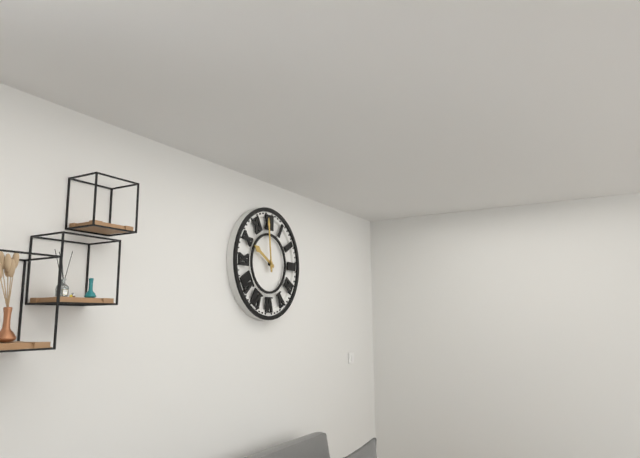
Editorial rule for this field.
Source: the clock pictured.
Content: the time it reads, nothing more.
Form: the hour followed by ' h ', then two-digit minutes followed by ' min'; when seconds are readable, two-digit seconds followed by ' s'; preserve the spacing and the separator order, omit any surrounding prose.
9 h 59 min
